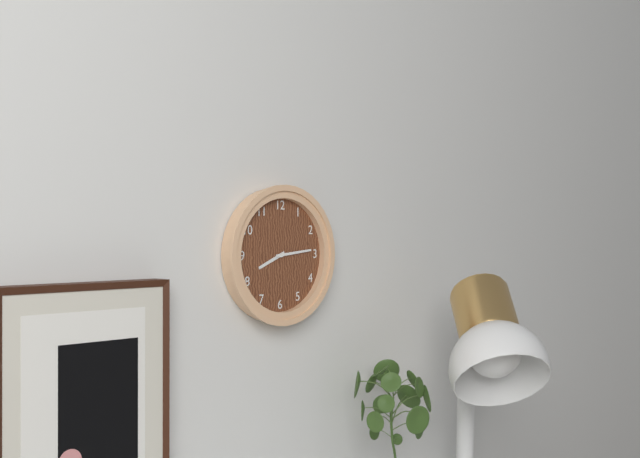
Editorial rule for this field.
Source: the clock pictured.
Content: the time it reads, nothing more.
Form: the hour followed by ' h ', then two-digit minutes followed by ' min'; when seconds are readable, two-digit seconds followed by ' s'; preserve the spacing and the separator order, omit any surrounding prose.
8 h 14 min
